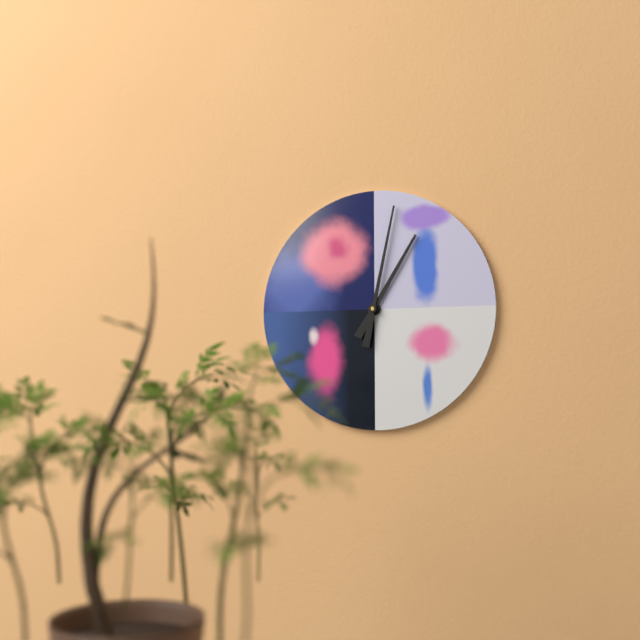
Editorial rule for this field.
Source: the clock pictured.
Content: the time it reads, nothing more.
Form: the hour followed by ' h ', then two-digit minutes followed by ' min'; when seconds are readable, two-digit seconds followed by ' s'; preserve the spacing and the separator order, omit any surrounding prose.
1 h 02 min
